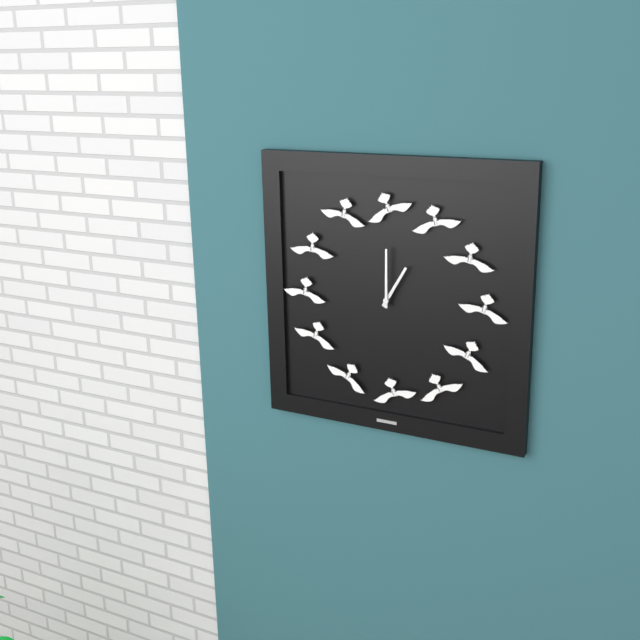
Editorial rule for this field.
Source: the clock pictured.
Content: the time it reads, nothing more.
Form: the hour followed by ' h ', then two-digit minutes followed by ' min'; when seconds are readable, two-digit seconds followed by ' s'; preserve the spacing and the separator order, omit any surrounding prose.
1 h 00 min
